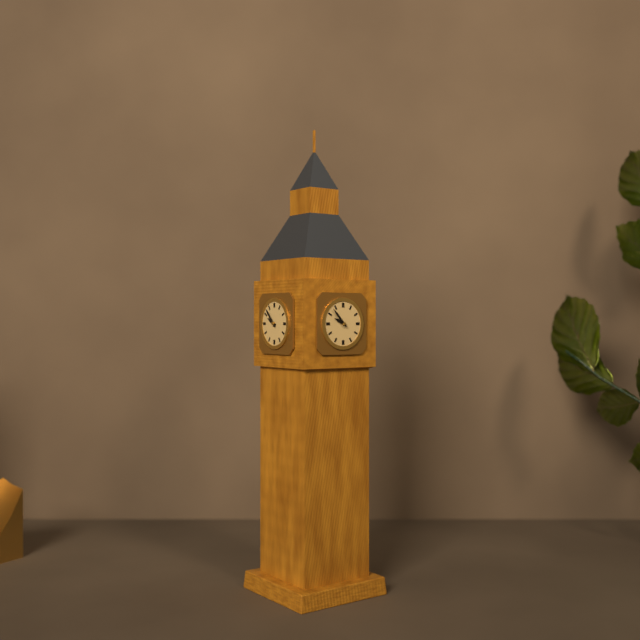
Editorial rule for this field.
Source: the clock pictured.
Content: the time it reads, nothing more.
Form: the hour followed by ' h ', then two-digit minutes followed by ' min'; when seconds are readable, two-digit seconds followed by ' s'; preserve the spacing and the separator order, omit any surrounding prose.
9 h 53 min
